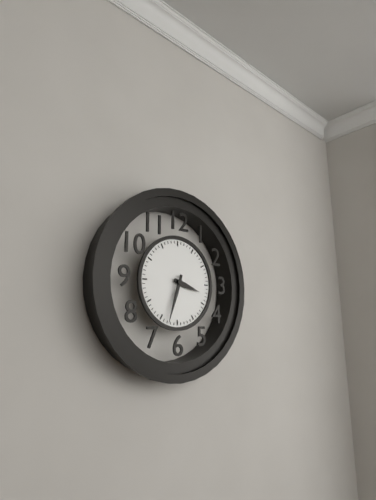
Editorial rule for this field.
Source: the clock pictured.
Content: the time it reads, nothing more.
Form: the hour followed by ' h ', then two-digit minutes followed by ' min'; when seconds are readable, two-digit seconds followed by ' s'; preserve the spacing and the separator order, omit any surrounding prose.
3 h 33 min
